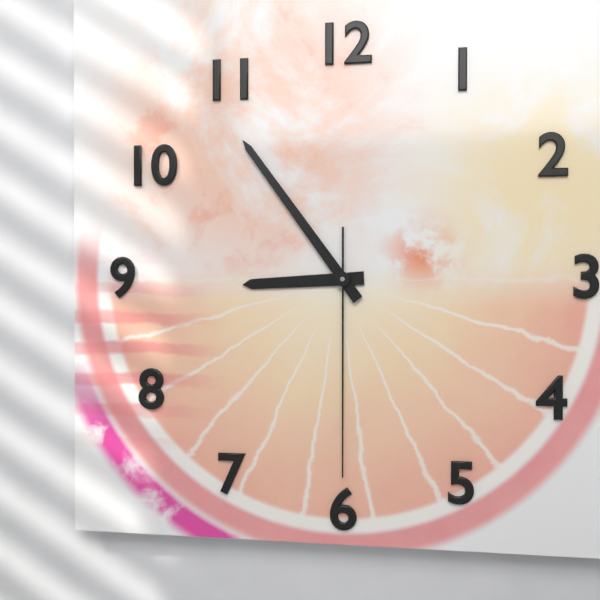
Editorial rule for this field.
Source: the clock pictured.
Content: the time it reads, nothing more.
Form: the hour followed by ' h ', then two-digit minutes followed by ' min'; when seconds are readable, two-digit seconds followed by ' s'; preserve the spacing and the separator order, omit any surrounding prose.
8 h 54 min 30 s
